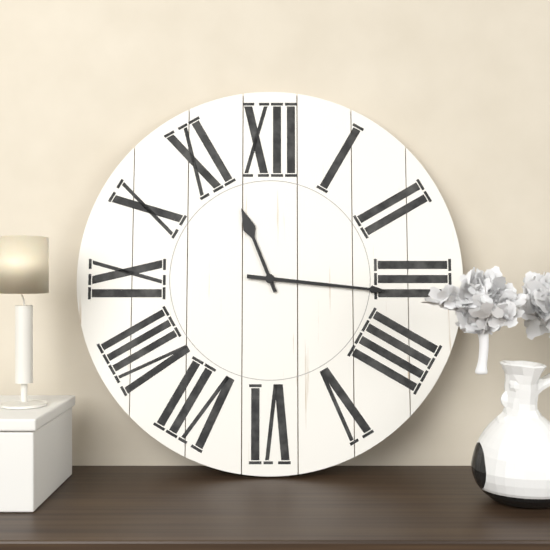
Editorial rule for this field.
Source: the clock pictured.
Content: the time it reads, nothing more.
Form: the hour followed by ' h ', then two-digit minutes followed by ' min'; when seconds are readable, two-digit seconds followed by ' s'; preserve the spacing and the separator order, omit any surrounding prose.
11 h 16 min
